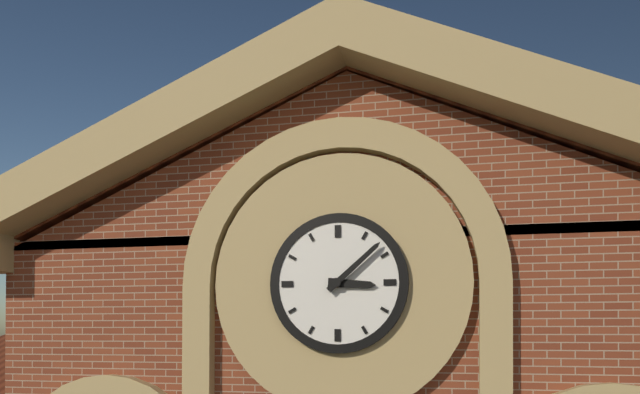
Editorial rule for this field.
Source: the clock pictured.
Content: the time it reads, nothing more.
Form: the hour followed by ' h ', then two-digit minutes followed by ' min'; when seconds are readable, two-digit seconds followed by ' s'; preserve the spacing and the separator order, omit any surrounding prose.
3 h 08 min
